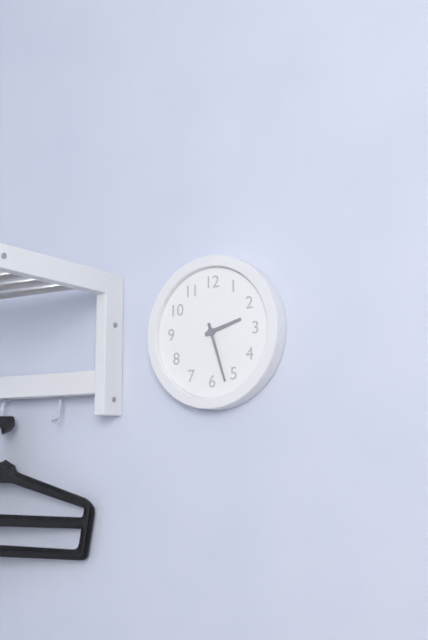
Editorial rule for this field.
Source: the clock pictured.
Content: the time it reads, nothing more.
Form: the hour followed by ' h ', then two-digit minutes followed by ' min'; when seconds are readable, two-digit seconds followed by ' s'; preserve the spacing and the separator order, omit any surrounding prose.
2 h 27 min
